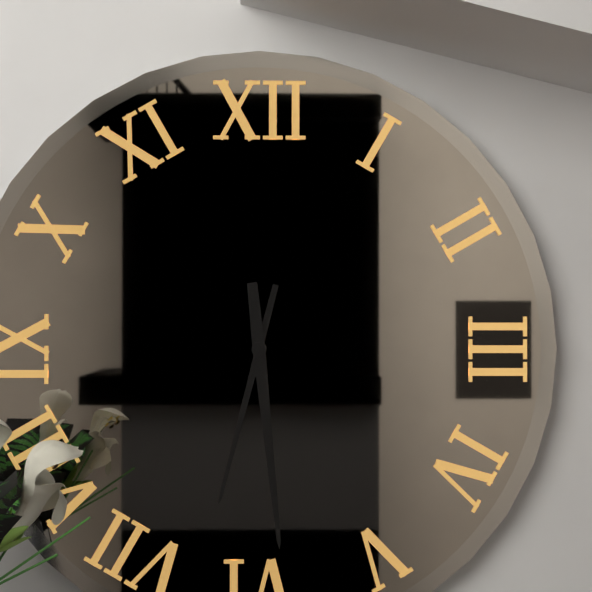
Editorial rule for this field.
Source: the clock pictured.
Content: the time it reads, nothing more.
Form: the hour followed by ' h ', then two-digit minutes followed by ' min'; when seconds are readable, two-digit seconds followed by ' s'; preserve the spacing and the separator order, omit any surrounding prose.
6 h 29 min
